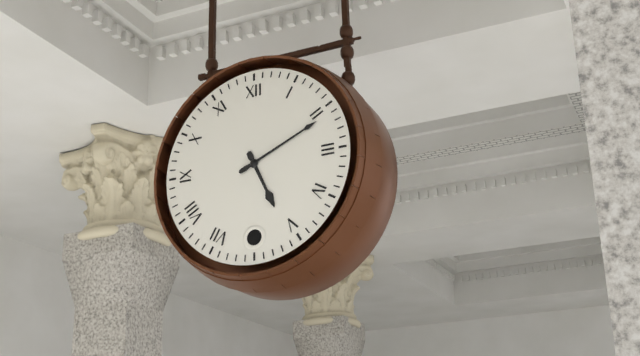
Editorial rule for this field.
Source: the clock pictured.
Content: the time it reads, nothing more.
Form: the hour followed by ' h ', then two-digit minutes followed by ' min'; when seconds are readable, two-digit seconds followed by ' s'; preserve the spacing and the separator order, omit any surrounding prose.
5 h 11 min
